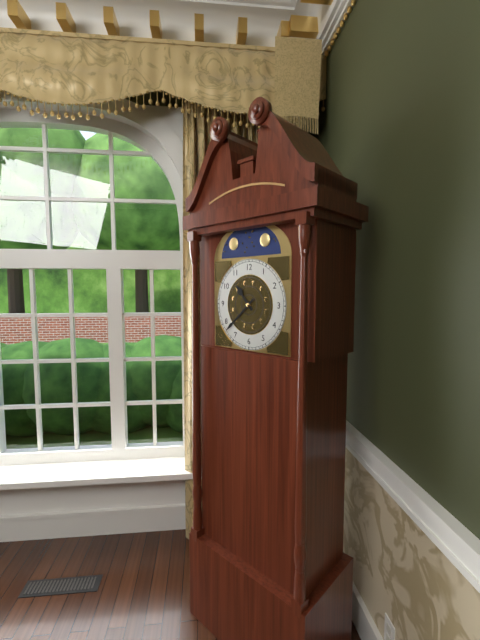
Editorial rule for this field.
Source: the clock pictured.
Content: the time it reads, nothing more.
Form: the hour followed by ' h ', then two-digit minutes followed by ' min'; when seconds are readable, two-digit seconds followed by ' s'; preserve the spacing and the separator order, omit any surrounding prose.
10 h 38 min
